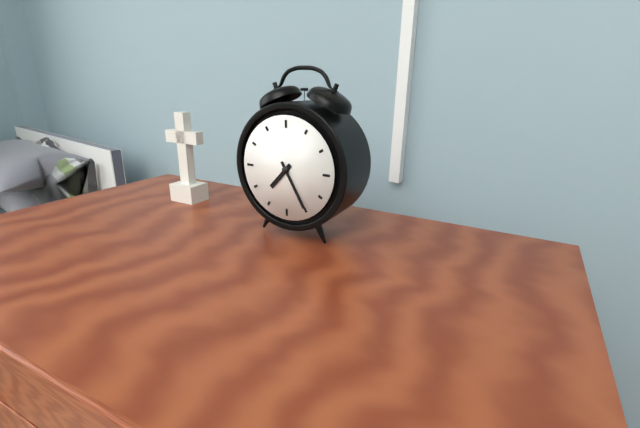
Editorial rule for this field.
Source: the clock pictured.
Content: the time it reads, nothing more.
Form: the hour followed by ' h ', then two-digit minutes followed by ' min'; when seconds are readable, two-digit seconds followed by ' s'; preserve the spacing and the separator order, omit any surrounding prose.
7 h 25 min
